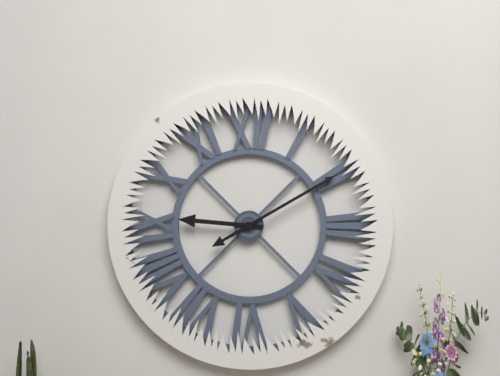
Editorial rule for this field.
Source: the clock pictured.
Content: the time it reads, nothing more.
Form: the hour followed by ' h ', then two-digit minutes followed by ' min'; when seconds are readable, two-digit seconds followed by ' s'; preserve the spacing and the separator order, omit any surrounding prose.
9 h 10 min
